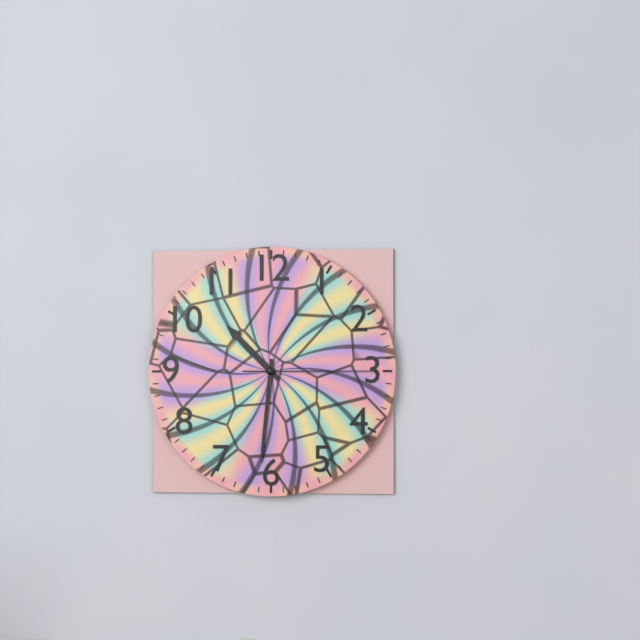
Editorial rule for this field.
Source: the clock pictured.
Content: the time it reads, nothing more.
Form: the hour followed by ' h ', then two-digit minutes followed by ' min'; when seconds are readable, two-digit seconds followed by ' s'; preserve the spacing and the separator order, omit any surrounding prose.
10 h 31 min 15 s
